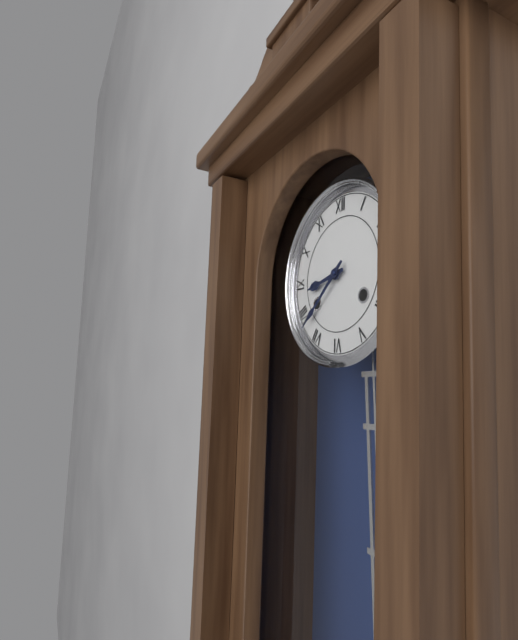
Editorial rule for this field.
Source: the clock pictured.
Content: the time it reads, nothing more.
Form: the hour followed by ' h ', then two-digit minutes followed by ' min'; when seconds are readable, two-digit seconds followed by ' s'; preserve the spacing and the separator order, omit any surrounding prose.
8 h 38 min
